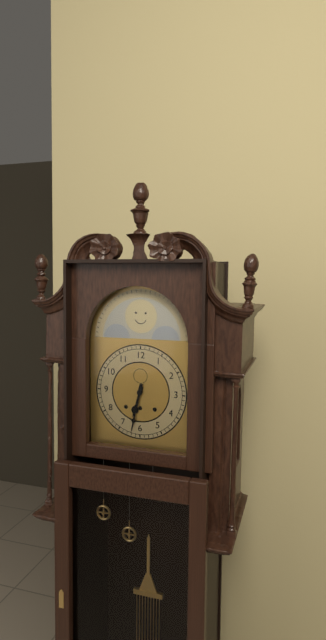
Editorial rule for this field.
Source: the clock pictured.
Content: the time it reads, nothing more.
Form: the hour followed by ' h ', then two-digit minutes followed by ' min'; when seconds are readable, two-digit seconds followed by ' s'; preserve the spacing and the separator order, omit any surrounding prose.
6 h 32 min
